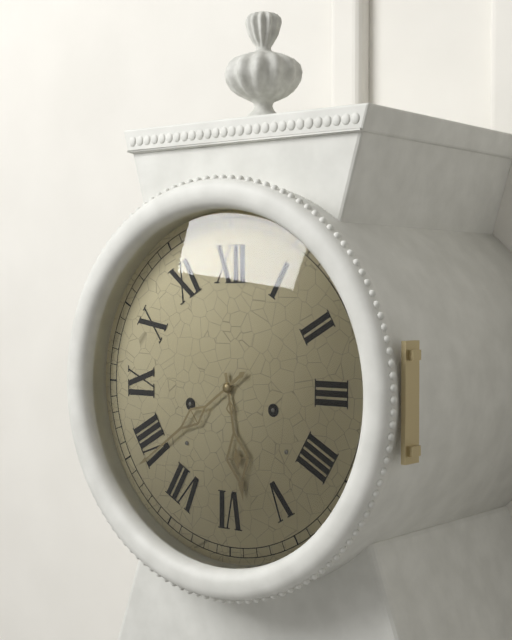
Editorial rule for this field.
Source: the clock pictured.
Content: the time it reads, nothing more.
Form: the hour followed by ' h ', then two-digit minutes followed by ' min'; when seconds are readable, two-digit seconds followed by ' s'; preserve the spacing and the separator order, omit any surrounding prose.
5 h 39 min
